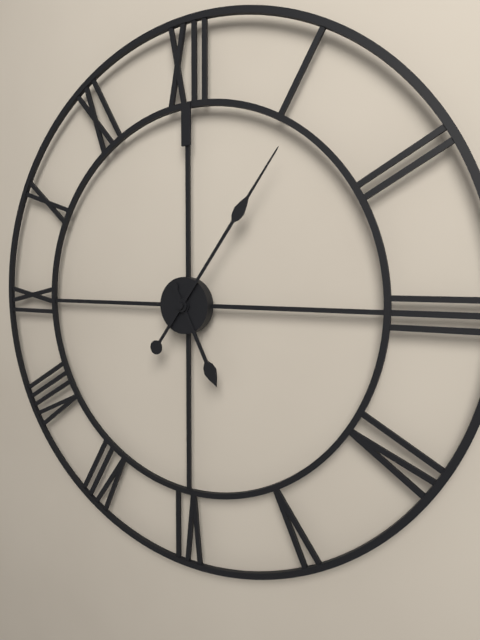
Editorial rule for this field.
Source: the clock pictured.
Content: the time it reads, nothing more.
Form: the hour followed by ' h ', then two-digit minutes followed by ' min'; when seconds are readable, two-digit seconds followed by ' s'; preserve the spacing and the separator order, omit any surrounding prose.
5 h 06 min
